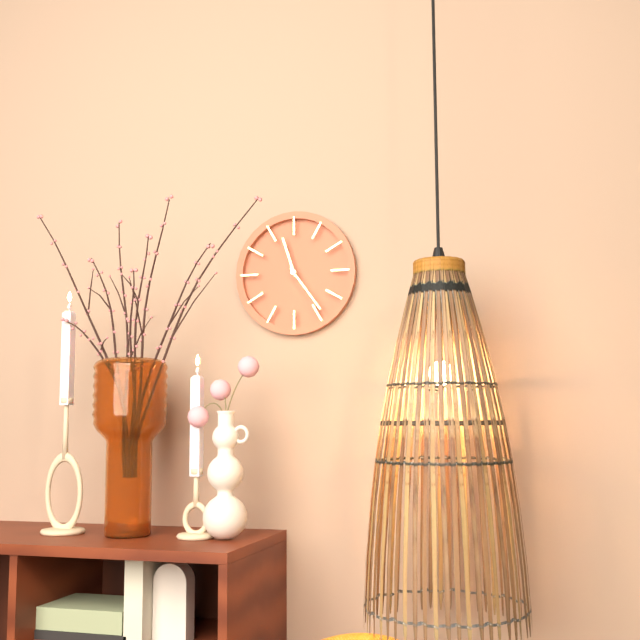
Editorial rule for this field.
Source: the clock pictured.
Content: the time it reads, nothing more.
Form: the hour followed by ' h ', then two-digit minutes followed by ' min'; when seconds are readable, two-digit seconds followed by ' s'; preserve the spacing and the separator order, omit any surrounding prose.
11 h 24 min
